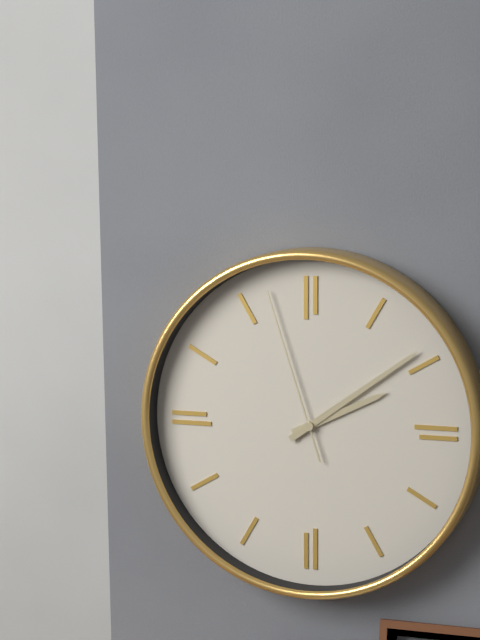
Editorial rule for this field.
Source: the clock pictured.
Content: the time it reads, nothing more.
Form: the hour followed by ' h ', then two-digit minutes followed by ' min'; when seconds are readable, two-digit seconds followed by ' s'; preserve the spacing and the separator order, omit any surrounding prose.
2 h 09 min 57 s
